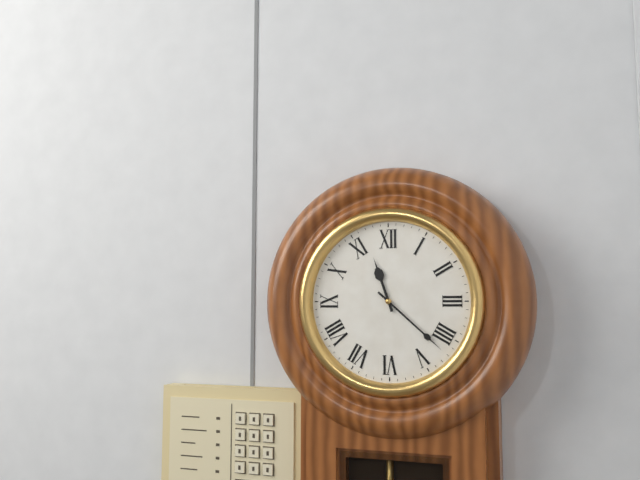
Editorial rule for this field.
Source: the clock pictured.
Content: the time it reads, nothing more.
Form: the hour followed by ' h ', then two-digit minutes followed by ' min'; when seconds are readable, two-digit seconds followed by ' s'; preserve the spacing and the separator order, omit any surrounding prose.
11 h 22 min
